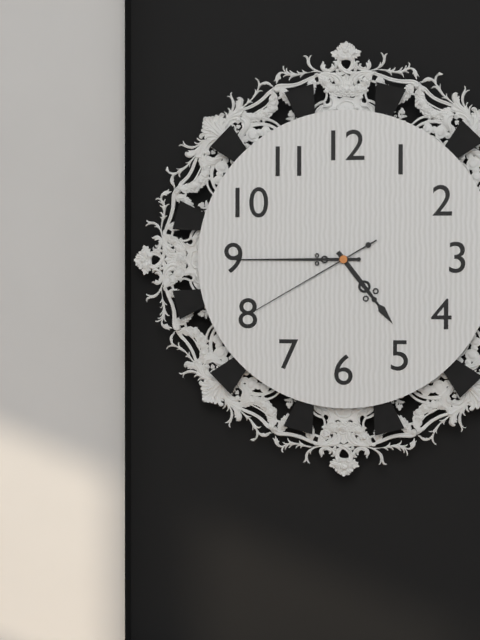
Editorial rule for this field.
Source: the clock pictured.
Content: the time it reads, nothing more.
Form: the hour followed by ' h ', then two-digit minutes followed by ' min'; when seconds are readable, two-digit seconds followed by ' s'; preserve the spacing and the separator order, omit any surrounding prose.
4 h 45 min 40 s
